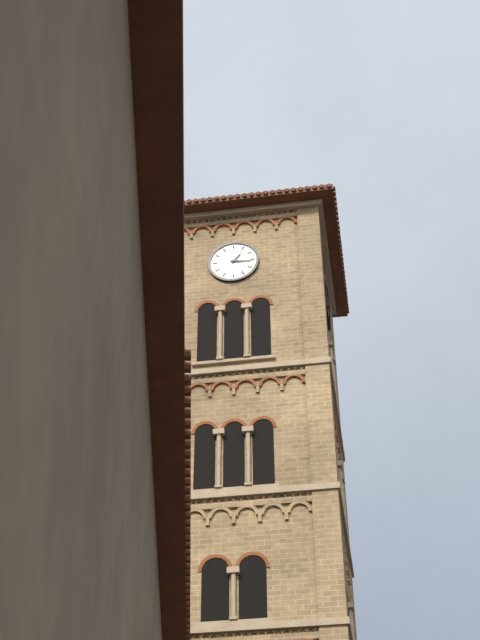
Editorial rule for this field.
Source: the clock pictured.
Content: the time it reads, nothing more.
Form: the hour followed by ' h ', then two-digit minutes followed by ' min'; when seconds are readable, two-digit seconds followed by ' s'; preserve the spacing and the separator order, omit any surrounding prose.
1 h 16 min
